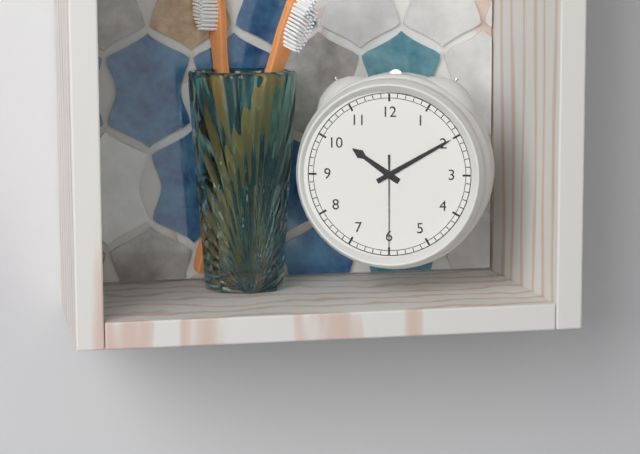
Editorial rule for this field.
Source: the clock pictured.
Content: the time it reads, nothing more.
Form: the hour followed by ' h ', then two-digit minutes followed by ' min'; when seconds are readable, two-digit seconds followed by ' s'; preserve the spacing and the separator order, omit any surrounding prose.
10 h 10 min 30 s
